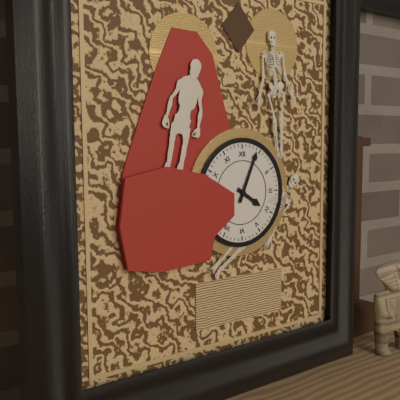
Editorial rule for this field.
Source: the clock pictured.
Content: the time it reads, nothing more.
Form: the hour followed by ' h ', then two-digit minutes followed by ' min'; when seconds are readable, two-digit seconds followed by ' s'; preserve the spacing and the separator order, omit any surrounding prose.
4 h 04 min
